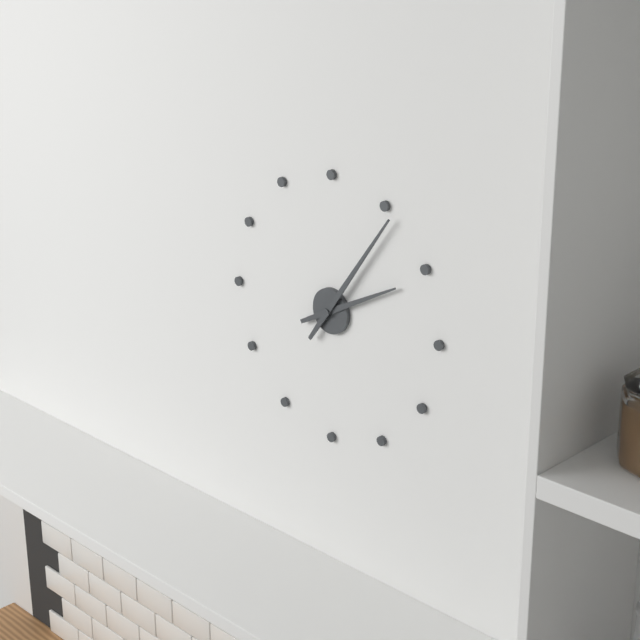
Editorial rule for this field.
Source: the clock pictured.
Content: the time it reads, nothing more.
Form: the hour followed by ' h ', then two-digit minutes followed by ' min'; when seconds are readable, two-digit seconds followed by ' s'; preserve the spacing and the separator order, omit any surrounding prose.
2 h 06 min
